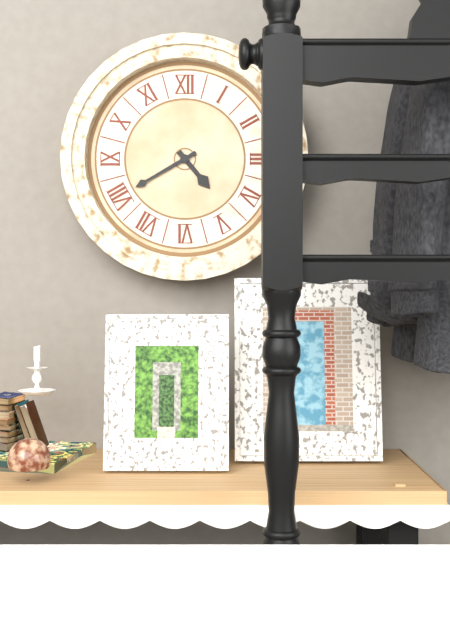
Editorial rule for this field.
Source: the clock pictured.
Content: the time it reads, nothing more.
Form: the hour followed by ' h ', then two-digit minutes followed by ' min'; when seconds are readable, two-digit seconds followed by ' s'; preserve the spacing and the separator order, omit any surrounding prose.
4 h 40 min
